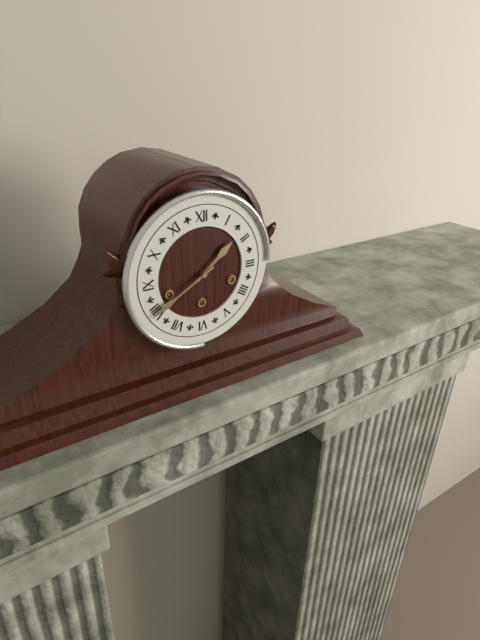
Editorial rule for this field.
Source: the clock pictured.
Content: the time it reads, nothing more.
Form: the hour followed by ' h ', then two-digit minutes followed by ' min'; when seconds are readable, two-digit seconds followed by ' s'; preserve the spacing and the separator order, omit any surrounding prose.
1 h 40 min
